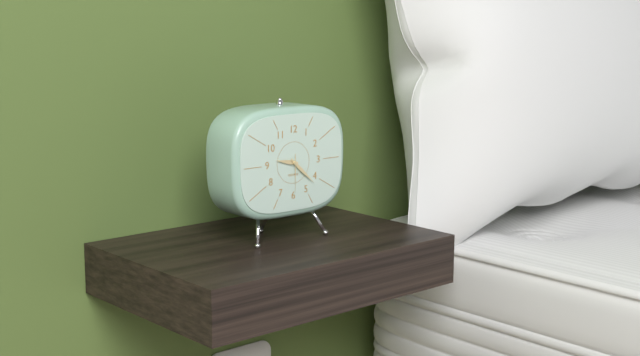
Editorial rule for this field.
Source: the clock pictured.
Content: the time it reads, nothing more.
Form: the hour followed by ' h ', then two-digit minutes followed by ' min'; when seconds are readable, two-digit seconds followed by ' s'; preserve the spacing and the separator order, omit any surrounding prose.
9 h 22 min
